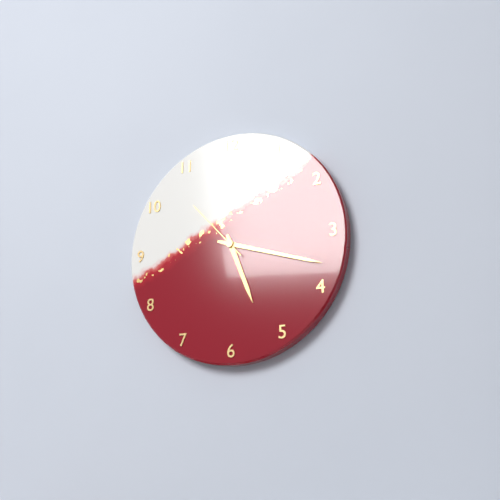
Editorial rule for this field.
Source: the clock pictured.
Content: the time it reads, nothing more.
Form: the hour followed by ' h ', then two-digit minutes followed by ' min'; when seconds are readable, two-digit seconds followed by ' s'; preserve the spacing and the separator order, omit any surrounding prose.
5 h 18 min 53 s
